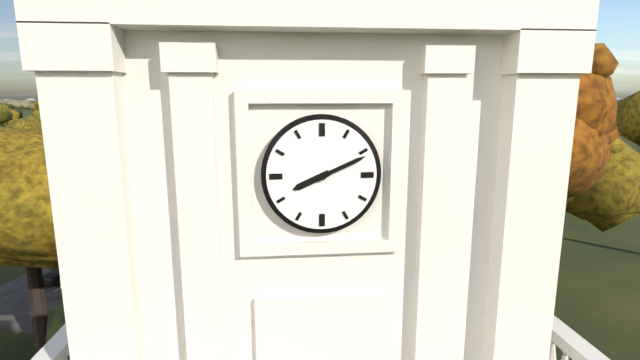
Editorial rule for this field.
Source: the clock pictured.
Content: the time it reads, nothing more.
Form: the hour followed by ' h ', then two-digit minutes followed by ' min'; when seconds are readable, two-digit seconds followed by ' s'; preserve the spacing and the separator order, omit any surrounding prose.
8 h 11 min
